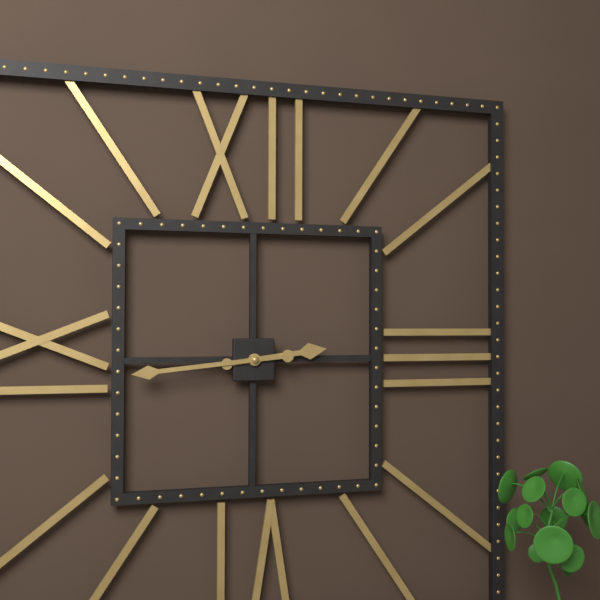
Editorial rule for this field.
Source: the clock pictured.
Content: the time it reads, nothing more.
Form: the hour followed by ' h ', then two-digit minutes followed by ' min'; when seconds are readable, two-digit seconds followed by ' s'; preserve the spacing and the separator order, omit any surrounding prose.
2 h 44 min
